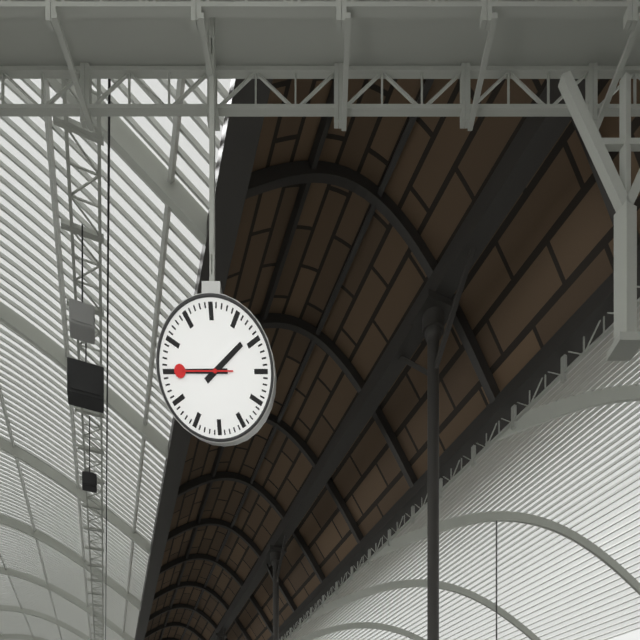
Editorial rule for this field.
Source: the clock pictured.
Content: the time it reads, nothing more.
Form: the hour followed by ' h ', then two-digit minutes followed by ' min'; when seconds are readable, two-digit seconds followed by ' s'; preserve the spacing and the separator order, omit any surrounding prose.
1 h 45 min 45 s
